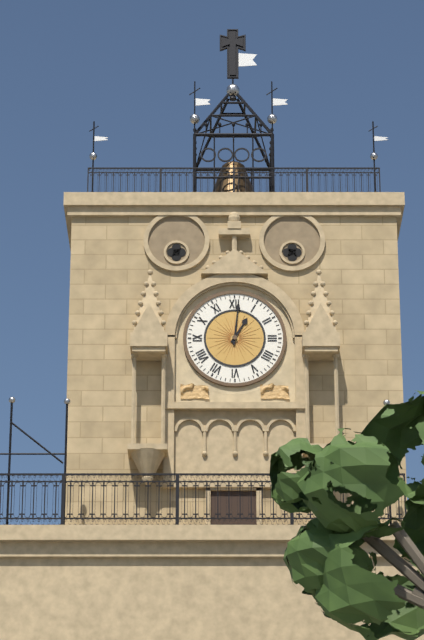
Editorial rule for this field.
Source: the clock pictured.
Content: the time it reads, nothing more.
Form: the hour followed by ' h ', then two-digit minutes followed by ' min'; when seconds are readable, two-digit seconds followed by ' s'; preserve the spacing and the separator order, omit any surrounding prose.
1 h 01 min
